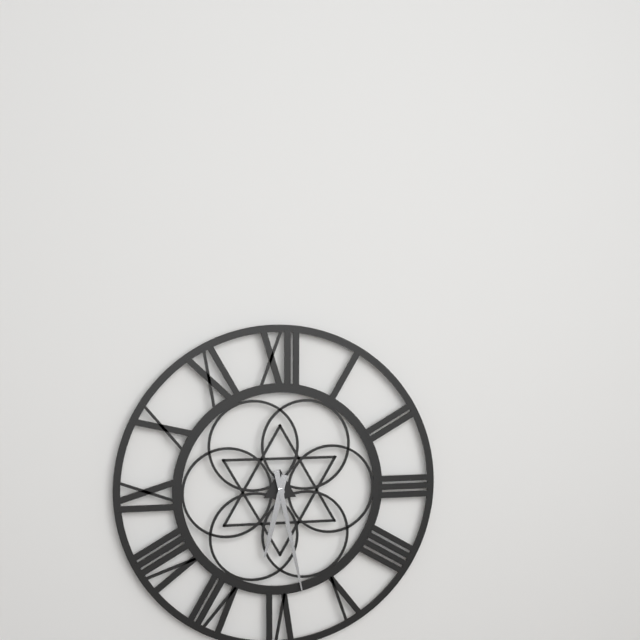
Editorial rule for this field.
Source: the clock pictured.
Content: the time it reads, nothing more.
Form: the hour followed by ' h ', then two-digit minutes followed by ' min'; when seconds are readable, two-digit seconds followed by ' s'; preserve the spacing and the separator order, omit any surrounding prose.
6 h 28 min
